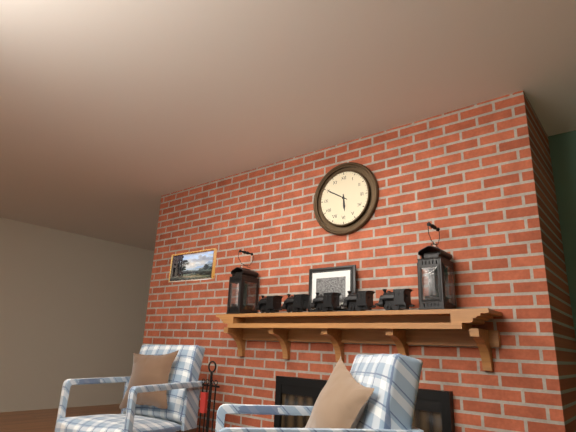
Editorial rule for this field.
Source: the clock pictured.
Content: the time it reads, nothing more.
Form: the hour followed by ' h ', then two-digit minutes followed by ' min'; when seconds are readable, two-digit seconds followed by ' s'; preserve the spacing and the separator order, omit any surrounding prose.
5 h 50 min
